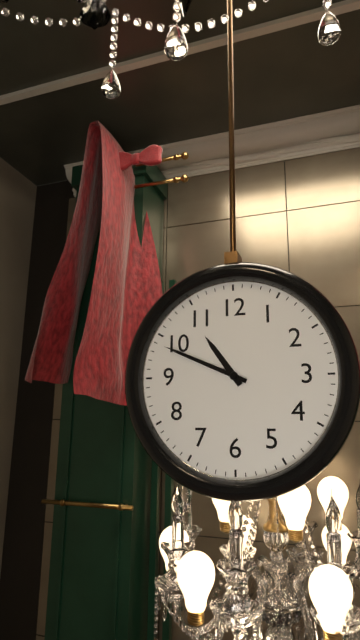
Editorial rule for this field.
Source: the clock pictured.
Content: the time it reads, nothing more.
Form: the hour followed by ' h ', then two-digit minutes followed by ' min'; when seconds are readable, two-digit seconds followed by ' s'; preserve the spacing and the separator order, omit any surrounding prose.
10 h 49 min
